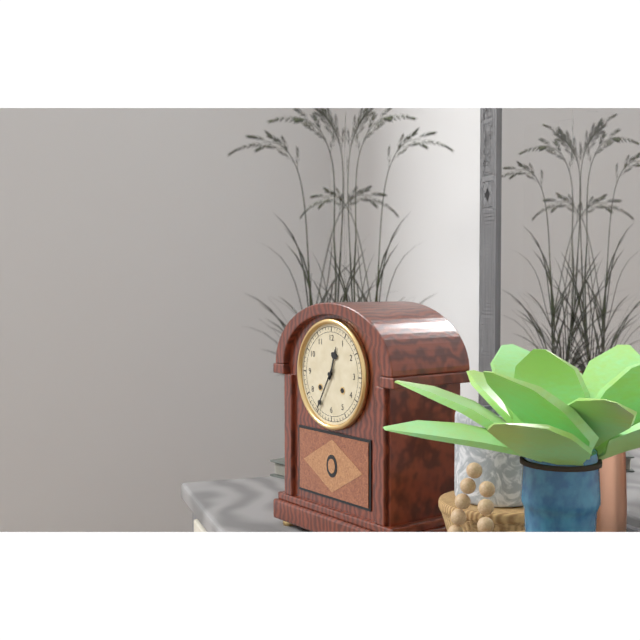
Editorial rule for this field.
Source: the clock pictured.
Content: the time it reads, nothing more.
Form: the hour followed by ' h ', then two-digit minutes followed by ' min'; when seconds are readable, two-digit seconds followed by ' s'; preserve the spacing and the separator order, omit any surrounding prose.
12 h 35 min
